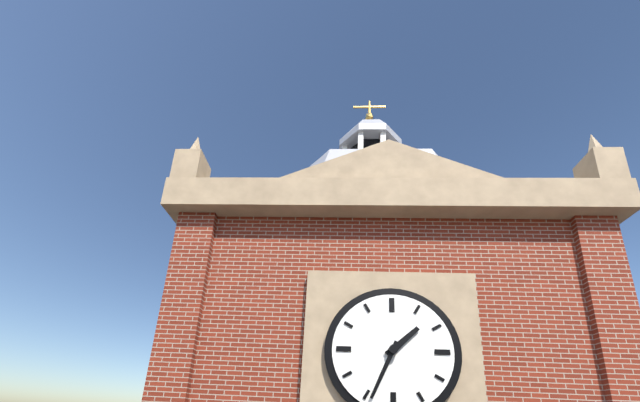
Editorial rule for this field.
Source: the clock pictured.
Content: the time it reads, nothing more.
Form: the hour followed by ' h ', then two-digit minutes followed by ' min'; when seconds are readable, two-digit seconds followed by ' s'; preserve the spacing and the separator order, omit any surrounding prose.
1 h 34 min
